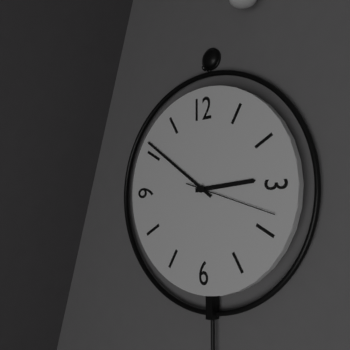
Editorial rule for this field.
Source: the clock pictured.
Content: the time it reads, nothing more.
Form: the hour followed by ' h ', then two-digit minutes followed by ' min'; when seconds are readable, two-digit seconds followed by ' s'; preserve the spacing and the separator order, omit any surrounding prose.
2 h 51 min 18 s
